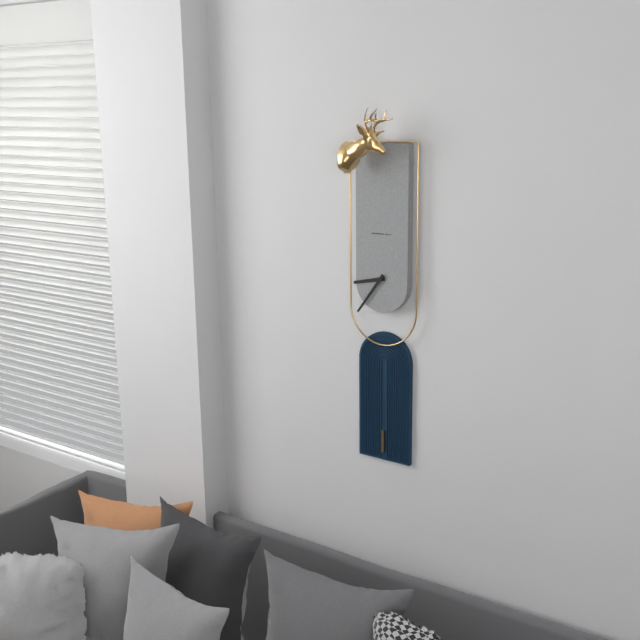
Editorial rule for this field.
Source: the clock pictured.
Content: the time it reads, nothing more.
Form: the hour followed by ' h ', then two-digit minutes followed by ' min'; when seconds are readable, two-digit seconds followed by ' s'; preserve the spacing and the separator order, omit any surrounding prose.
8 h 36 min
